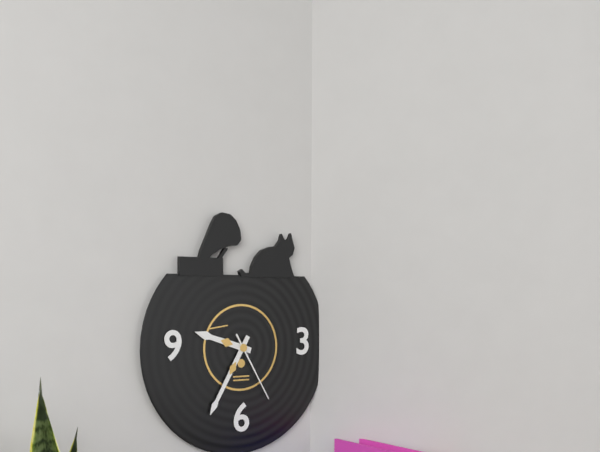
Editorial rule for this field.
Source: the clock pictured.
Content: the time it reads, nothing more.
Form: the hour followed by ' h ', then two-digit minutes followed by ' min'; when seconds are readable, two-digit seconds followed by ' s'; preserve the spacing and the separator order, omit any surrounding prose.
9 h 35 min 25 s
